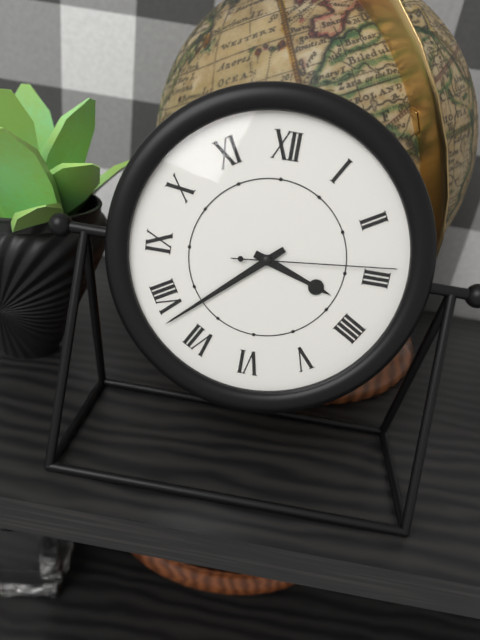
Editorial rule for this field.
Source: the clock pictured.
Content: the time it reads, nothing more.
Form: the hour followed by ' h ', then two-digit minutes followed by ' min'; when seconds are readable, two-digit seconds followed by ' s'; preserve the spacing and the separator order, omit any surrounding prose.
3 h 38 min 14 s
